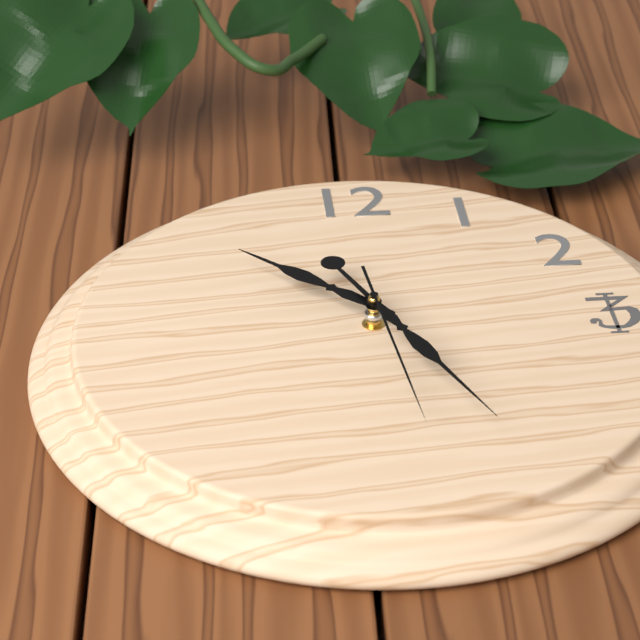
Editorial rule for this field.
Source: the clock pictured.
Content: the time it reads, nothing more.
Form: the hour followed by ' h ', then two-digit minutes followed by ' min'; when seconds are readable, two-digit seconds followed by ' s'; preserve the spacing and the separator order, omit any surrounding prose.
10 h 26 min 29 s
